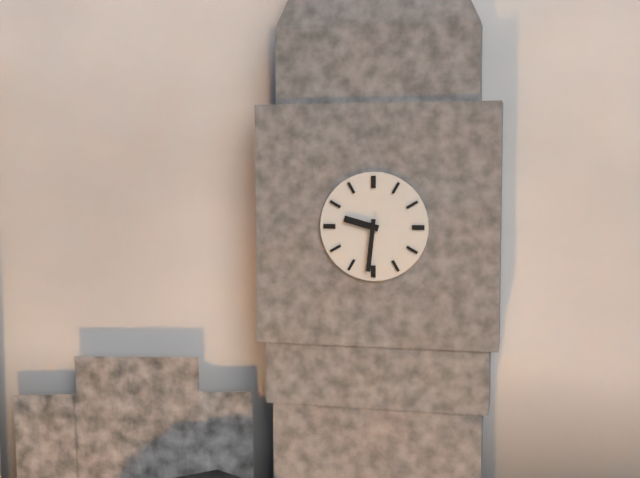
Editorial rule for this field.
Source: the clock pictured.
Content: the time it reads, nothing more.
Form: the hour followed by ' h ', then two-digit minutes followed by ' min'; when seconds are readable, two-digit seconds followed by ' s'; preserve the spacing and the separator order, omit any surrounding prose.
9 h 31 min
